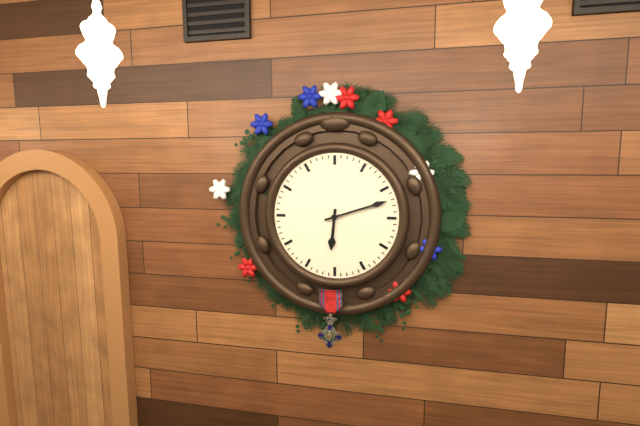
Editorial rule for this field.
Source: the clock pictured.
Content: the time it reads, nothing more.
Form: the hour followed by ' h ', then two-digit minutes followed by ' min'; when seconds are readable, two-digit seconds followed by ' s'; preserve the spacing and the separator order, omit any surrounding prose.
6 h 12 min
